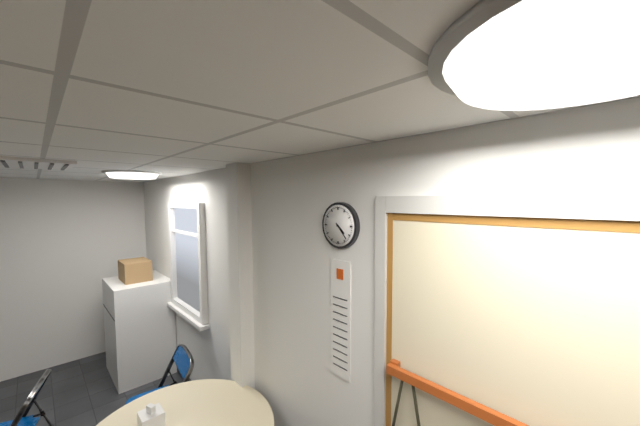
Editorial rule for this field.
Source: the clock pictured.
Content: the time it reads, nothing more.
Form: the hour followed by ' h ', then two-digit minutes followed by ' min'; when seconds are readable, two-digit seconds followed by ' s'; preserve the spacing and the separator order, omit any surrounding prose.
4 h 23 min
